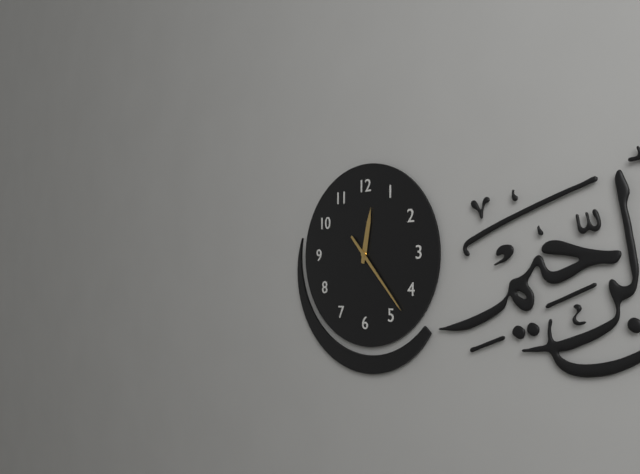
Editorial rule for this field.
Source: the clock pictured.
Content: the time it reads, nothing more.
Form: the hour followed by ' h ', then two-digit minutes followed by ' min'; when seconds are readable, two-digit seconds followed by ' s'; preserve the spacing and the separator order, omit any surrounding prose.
12 h 23 min
